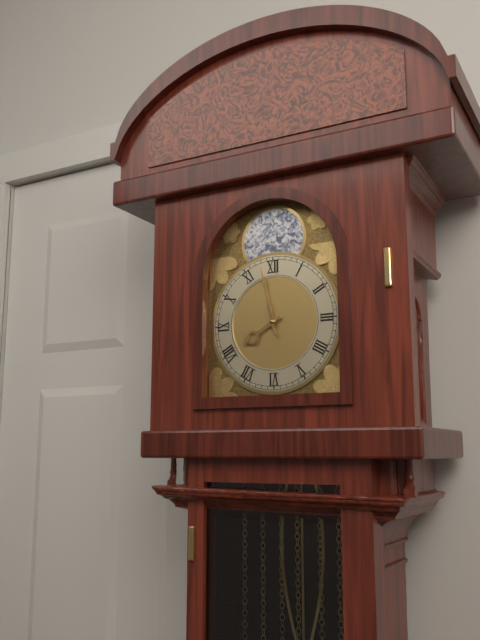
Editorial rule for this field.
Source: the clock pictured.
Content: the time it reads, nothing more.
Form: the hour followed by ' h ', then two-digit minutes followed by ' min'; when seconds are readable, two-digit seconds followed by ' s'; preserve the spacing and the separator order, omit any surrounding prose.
7 h 58 min
